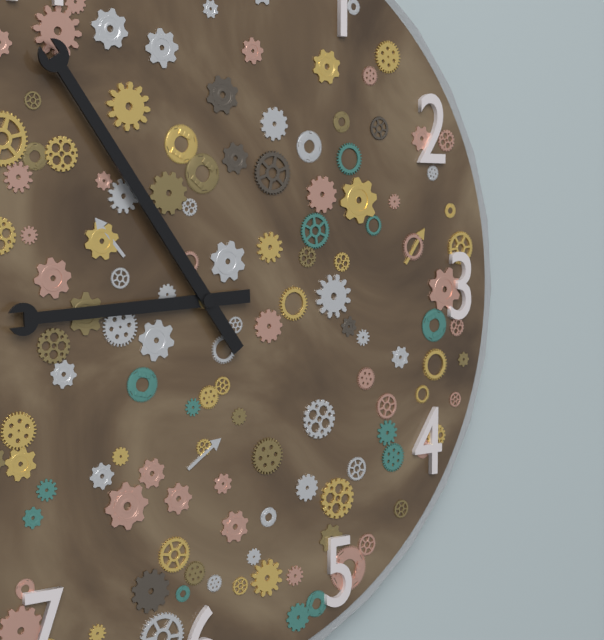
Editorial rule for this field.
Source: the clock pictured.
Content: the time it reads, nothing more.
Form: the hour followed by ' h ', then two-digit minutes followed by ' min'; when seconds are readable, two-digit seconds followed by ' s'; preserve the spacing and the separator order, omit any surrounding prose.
8 h 54 min
